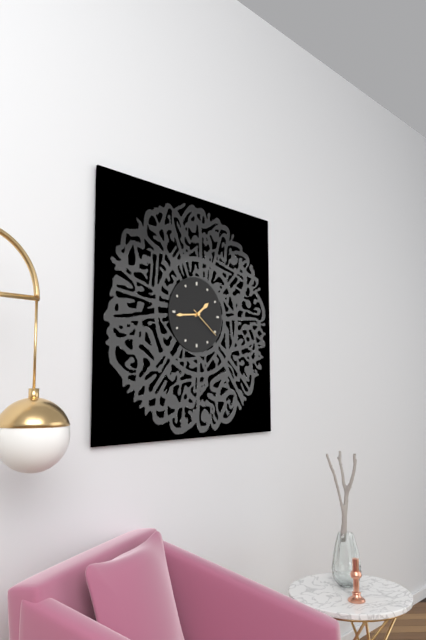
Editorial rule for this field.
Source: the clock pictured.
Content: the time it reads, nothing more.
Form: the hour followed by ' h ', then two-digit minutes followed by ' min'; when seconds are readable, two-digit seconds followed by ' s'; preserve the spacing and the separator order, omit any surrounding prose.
1 h 44 min
